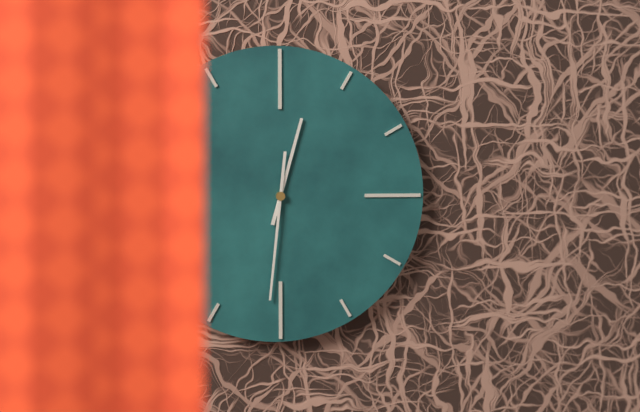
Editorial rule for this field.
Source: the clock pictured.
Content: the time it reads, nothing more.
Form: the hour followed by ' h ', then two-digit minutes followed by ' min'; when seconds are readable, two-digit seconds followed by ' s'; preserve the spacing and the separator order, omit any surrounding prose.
12 h 31 min
